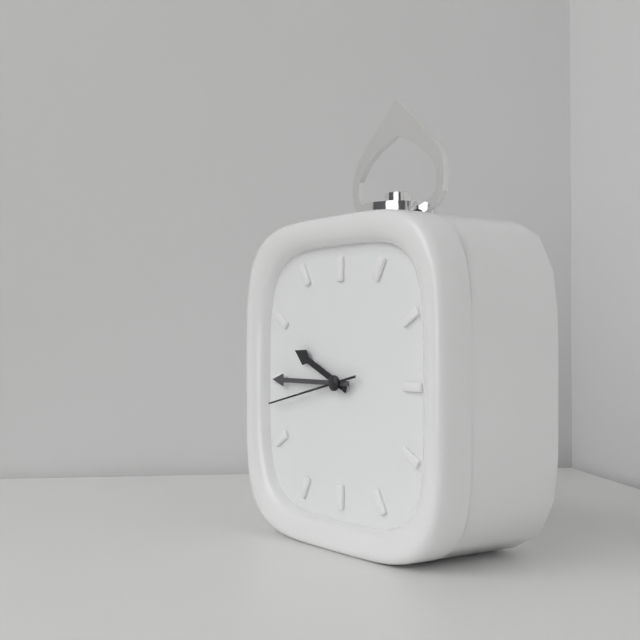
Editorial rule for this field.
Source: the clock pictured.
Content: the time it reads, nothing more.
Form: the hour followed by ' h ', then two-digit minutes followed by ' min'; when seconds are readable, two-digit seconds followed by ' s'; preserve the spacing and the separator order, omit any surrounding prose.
9 h 45 min 43 s
